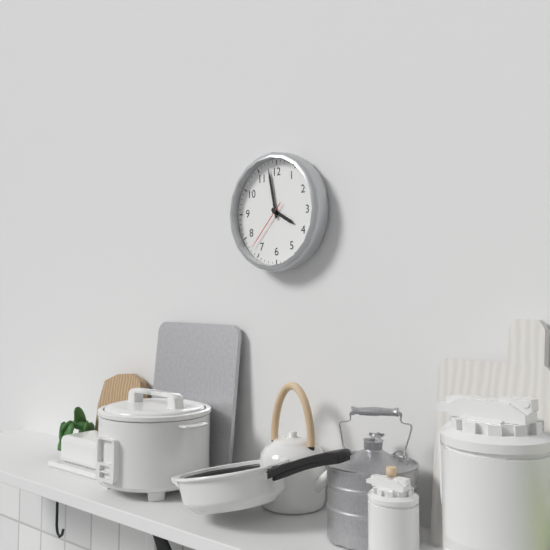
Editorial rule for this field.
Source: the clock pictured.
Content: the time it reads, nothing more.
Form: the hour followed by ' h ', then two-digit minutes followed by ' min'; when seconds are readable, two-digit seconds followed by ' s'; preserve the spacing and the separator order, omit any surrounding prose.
3 h 58 min 37 s
